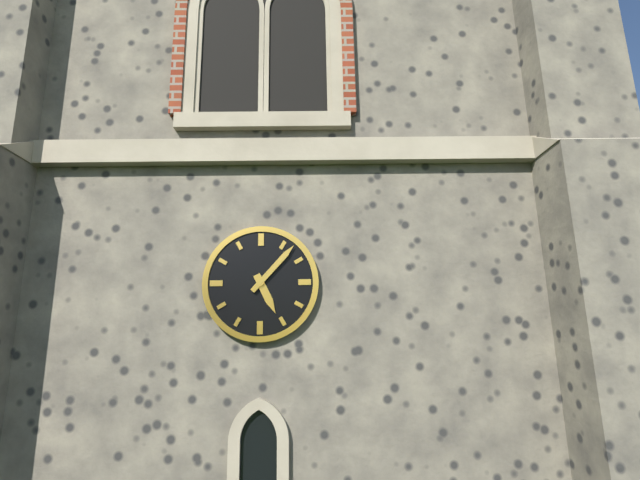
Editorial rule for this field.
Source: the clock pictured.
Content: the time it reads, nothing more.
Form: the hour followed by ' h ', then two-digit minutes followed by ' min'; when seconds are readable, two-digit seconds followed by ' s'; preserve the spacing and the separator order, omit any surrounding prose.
5 h 07 min
